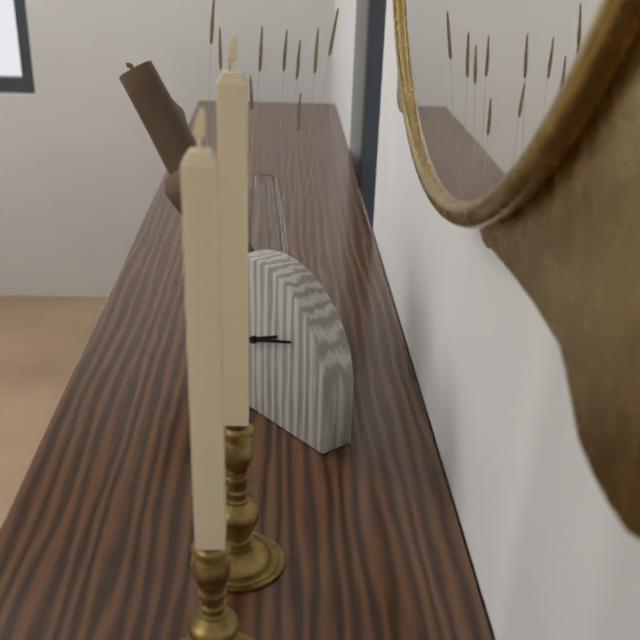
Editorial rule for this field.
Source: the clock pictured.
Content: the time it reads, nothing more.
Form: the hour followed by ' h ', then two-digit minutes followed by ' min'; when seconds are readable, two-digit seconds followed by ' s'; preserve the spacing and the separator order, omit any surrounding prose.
2 h 12 min
